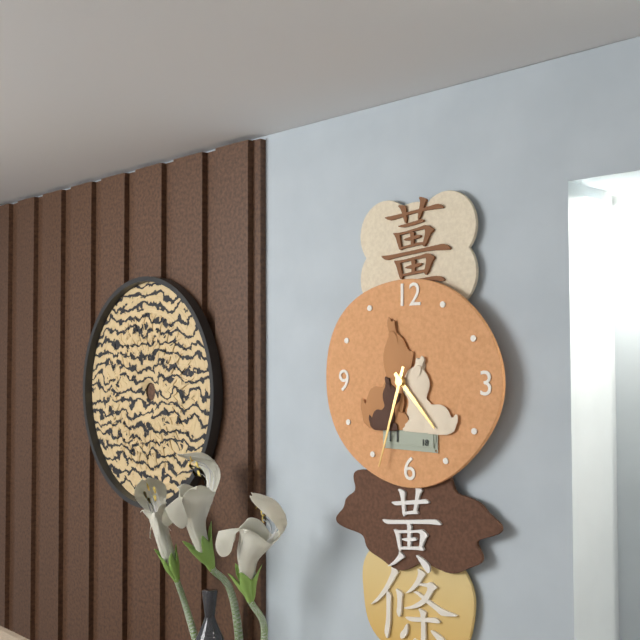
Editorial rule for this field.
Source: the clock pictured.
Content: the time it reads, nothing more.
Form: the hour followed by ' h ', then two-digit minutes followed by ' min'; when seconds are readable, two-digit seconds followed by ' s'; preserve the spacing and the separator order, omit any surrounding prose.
4 h 33 min
